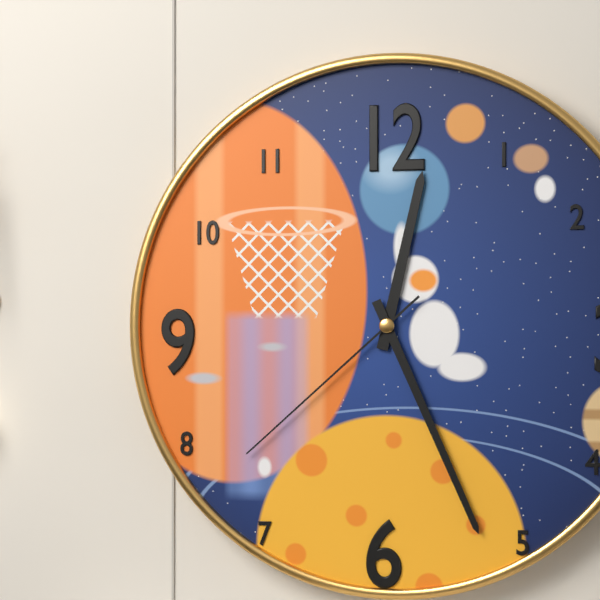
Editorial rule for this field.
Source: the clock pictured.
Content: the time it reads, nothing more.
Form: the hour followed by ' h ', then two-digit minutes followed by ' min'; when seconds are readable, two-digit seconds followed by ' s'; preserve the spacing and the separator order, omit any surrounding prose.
12 h 26 min 38 s
